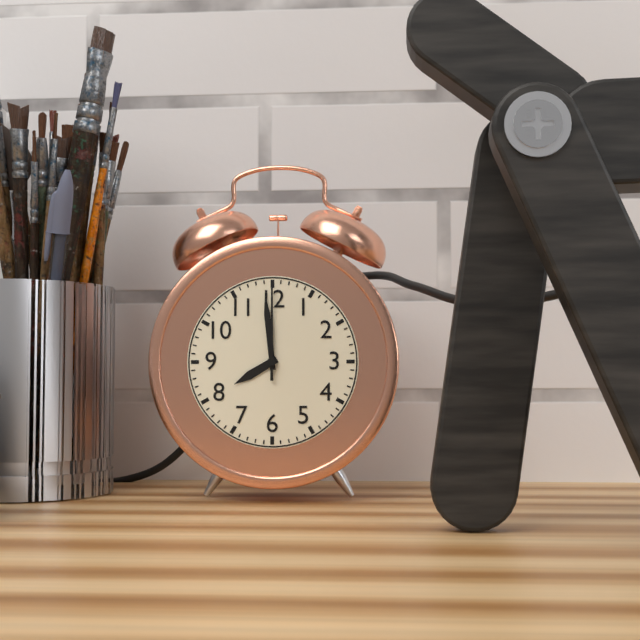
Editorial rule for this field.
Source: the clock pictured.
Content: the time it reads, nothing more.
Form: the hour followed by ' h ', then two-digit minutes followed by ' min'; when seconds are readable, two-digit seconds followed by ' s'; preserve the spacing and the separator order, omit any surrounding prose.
7 h 59 min 00 s
